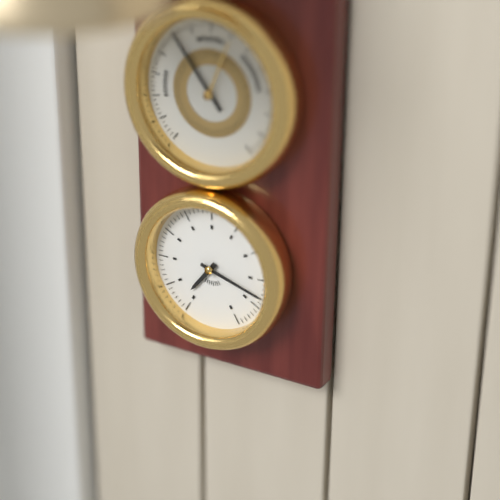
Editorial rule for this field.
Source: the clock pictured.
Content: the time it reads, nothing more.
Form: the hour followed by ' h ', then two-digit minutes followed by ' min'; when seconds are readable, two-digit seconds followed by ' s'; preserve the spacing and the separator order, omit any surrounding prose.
7 h 18 min
